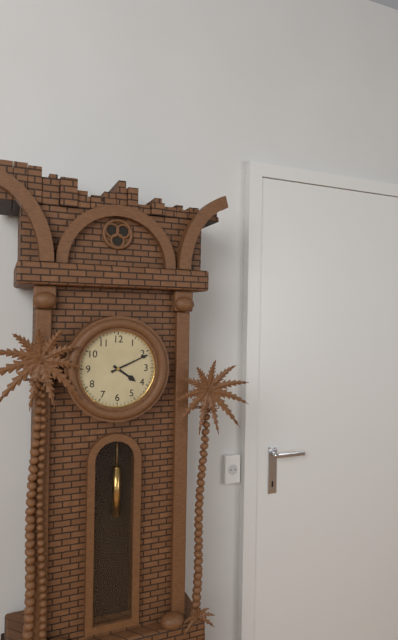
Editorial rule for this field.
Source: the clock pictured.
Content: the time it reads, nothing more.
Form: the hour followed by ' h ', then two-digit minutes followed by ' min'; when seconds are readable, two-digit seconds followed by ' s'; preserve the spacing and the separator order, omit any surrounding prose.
4 h 11 min
